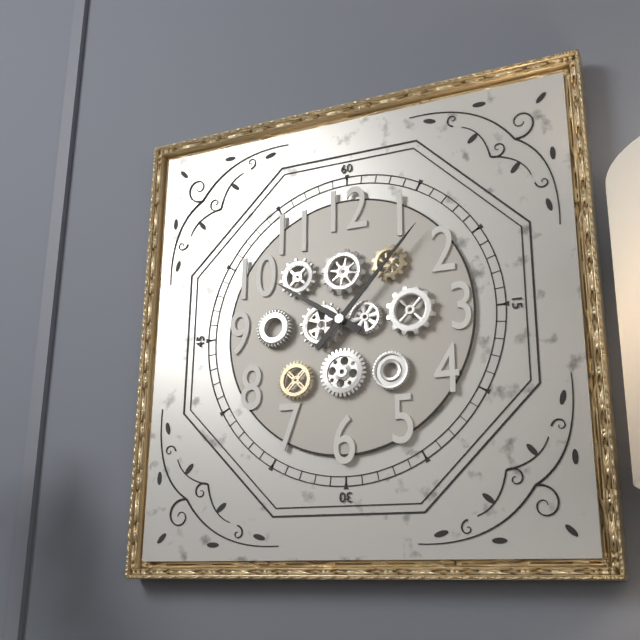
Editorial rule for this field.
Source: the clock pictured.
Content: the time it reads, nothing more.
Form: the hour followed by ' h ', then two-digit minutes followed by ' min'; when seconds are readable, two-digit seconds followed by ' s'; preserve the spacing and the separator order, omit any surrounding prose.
10 h 07 min
